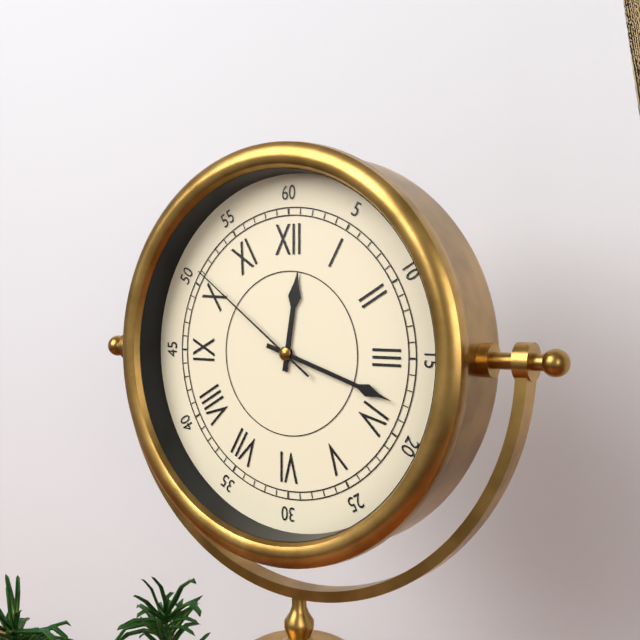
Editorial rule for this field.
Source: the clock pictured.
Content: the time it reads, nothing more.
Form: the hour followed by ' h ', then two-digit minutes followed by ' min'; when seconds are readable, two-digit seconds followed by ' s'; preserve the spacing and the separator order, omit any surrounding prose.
12 h 18 min 51 s
